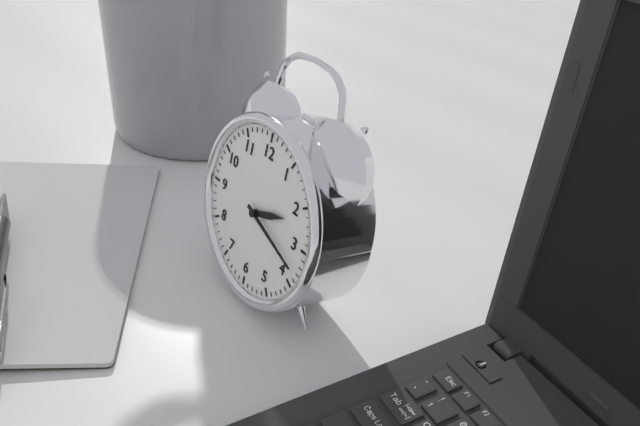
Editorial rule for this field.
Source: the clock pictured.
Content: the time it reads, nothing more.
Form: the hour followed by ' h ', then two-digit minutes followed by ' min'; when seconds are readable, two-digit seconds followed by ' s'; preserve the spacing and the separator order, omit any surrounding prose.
2 h 18 min
